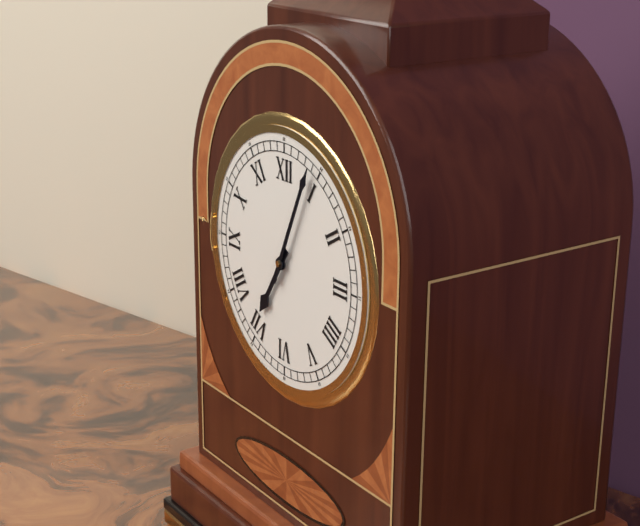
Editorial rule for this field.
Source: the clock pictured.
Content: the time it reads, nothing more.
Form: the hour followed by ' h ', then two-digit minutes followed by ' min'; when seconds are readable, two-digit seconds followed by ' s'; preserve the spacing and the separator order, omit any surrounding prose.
7 h 04 min
